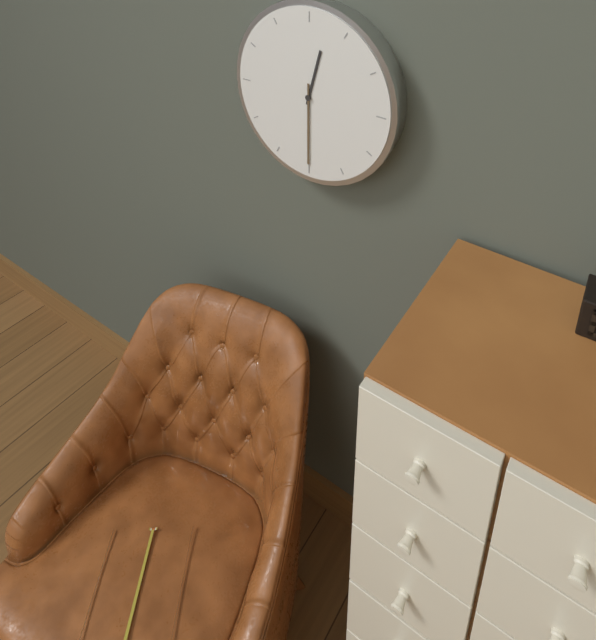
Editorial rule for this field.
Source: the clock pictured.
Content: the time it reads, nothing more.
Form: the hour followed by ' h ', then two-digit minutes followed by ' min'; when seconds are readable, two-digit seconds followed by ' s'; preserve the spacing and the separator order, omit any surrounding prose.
12 h 30 min
